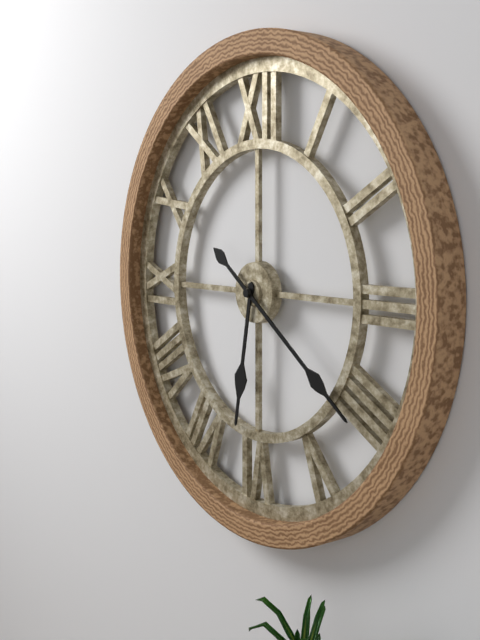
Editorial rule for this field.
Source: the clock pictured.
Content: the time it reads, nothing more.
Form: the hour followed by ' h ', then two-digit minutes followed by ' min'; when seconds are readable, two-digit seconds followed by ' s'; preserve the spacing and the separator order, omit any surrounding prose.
6 h 21 min
